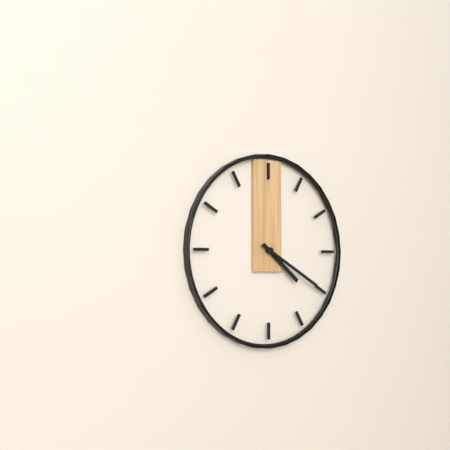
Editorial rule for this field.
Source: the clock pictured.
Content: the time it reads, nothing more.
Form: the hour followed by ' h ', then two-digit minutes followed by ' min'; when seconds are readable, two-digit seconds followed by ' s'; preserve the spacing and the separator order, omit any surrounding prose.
4 h 20 min
